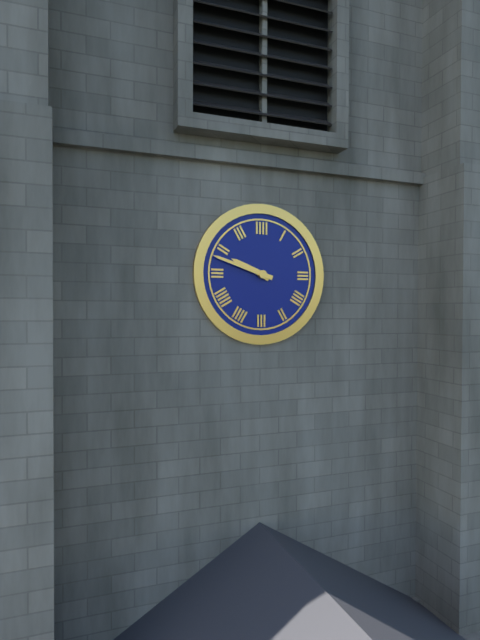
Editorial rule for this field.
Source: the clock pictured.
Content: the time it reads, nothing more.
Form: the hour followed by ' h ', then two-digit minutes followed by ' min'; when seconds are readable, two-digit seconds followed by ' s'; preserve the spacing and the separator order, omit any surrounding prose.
9 h 48 min
